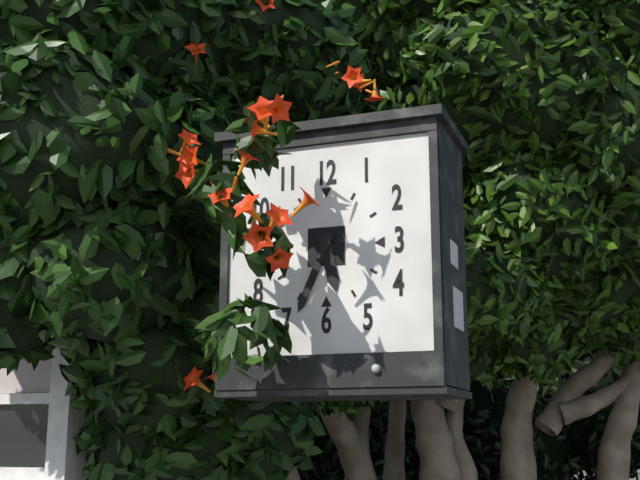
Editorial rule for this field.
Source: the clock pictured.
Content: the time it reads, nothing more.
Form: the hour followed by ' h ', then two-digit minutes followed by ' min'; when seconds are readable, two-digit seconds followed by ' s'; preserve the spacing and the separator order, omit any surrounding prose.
5 h 34 min
